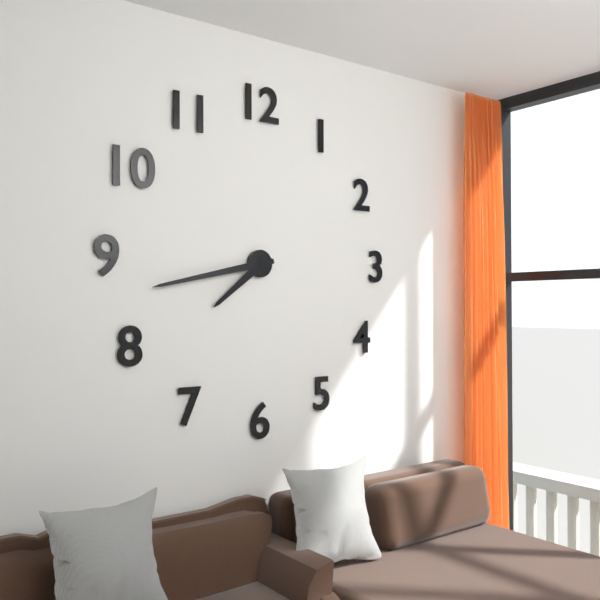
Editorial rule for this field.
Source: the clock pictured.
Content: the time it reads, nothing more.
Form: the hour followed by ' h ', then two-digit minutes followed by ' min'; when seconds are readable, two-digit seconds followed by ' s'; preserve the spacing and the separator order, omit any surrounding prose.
7 h 43 min
